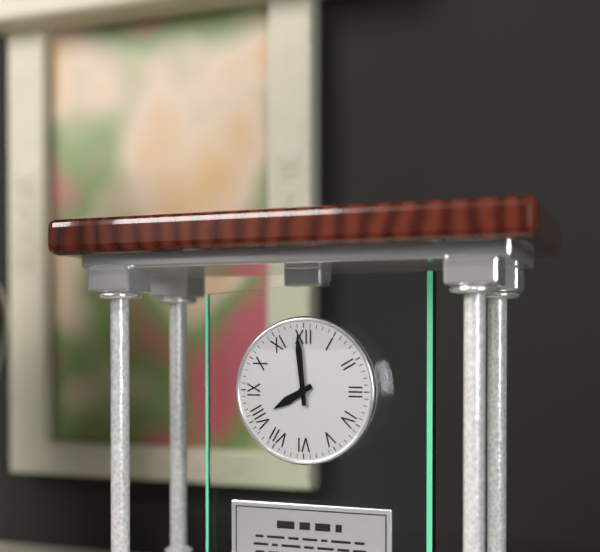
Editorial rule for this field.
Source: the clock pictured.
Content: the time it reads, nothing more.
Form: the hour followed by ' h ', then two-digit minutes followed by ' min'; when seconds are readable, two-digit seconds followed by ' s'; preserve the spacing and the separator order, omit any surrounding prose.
7 h 59 min
